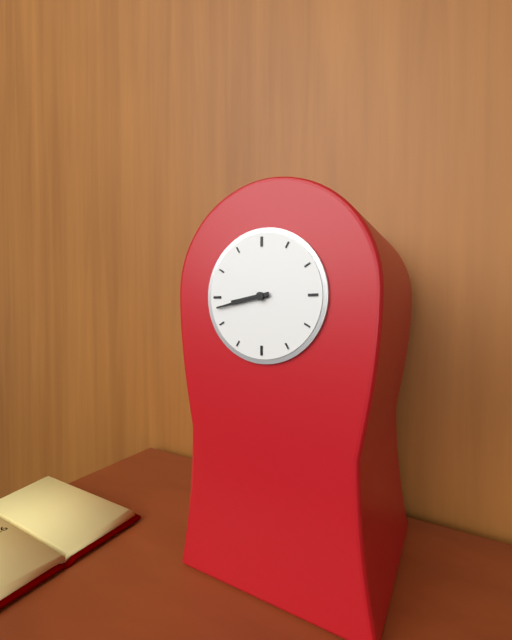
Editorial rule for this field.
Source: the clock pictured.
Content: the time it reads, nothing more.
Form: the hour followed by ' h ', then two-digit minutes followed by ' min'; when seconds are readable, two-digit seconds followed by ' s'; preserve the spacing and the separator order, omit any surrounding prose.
8 h 43 min
